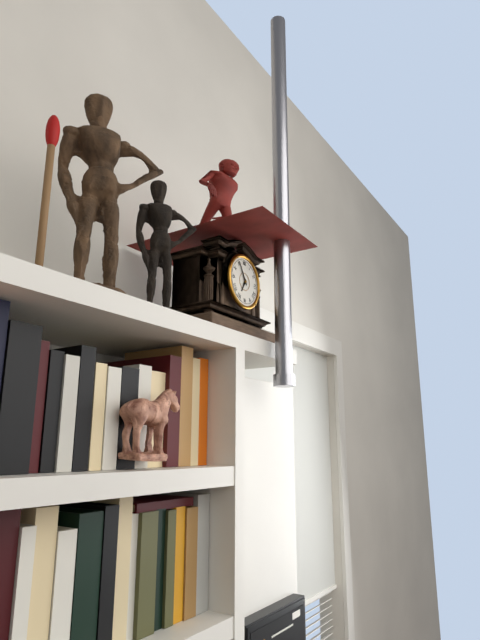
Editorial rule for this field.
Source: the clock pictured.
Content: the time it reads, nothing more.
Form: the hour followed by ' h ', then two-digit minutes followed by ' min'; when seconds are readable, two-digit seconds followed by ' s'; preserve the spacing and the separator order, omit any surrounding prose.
6 h 55 min
